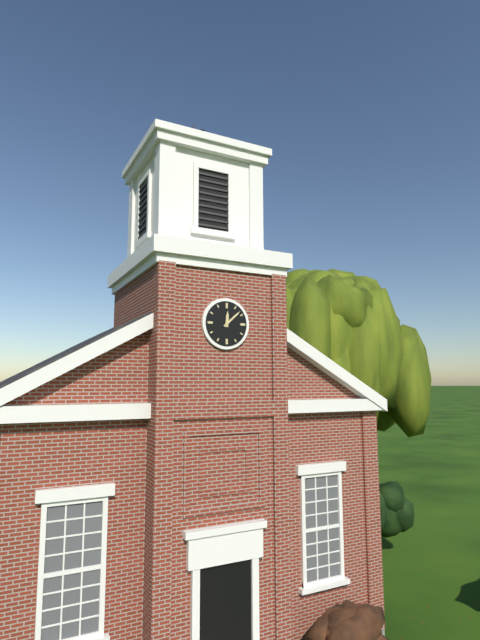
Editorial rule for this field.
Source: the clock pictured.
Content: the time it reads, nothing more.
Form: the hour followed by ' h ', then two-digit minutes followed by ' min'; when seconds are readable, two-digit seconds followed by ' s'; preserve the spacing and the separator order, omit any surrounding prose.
12 h 08 min
